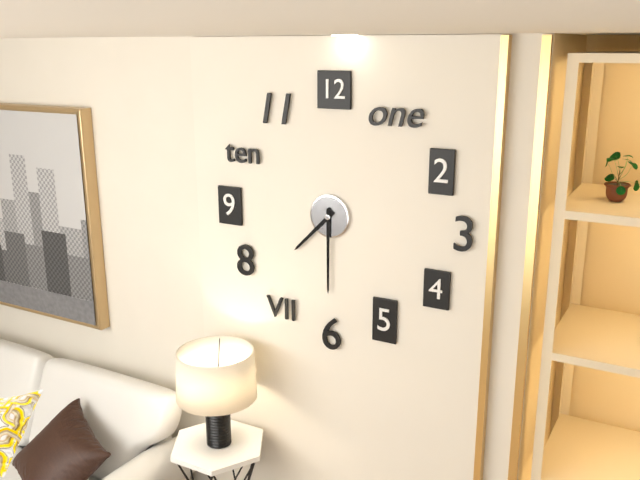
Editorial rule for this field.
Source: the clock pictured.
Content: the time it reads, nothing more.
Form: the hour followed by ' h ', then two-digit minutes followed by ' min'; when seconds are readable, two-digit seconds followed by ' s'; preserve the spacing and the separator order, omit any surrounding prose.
7 h 30 min
